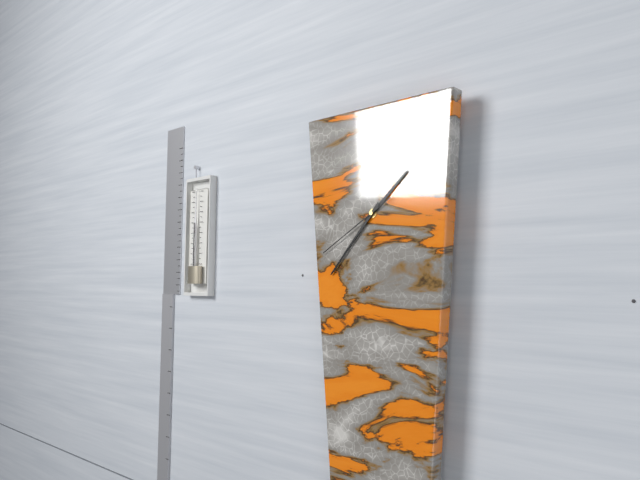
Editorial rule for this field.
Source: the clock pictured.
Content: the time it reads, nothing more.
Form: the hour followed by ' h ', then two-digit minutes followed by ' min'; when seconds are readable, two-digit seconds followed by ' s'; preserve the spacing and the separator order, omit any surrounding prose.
1 h 37 min 40 s
